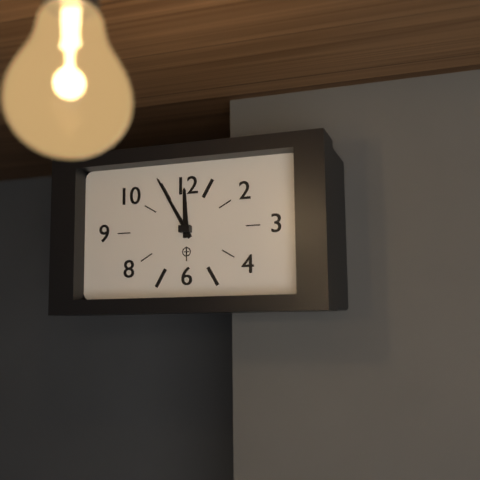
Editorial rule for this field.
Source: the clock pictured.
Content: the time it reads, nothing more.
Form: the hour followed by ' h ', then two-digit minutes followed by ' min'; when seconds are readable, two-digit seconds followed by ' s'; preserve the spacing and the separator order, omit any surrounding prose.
11 h 55 min
